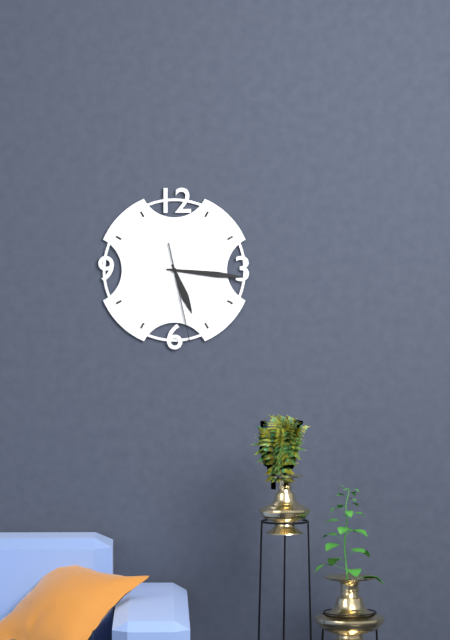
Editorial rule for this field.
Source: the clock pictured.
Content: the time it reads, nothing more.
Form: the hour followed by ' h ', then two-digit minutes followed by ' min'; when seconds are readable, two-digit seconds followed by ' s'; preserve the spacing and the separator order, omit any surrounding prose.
5 h 16 min 28 s
